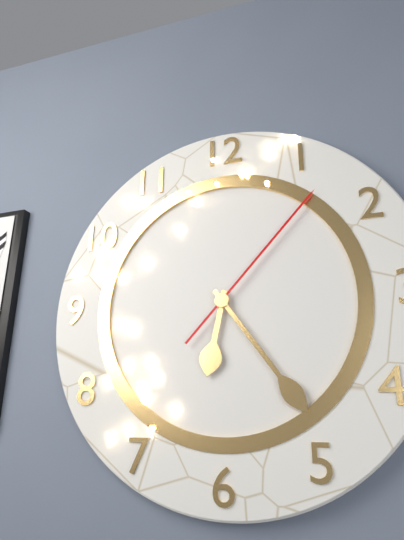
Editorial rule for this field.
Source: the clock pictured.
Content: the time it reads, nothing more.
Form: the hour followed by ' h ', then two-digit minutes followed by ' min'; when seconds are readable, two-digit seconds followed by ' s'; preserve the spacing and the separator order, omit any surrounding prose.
6 h 24 min 07 s
